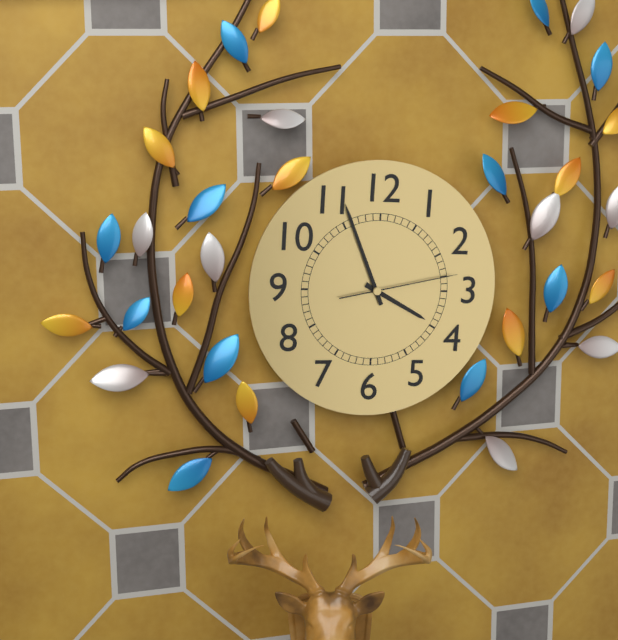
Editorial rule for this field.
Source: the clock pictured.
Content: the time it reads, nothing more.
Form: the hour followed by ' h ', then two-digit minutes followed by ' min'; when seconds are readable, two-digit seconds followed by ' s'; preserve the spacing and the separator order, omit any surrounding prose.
3 h 56 min 13 s
